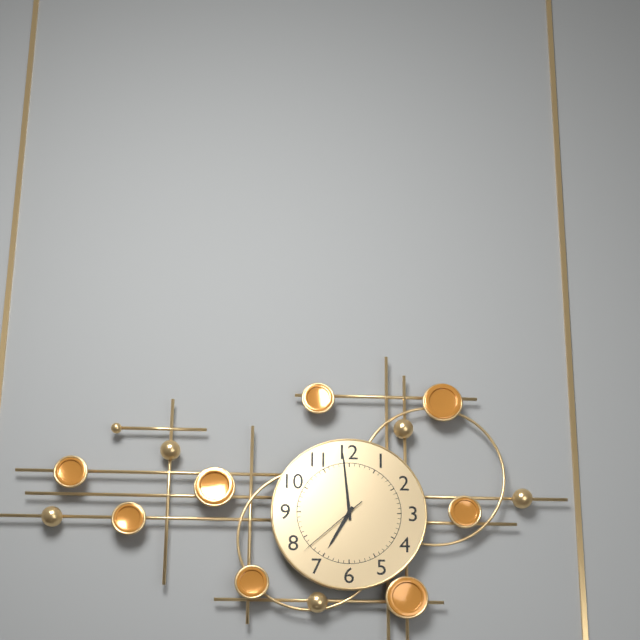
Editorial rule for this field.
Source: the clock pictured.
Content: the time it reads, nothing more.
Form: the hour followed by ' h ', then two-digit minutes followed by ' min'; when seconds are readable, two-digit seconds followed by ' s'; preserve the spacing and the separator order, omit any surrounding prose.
6 h 59 min 38 s
